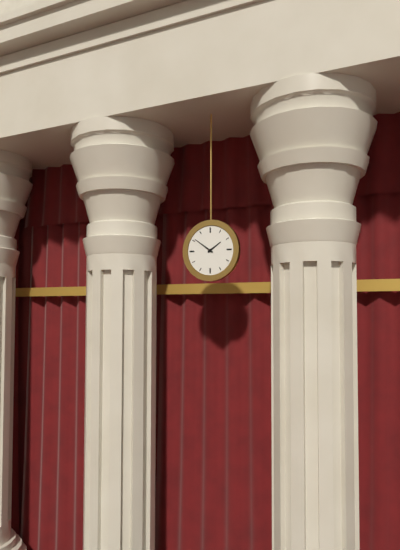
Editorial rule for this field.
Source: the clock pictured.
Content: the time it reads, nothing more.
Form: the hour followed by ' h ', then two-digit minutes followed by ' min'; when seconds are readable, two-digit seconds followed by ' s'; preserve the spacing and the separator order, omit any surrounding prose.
1 h 51 min
